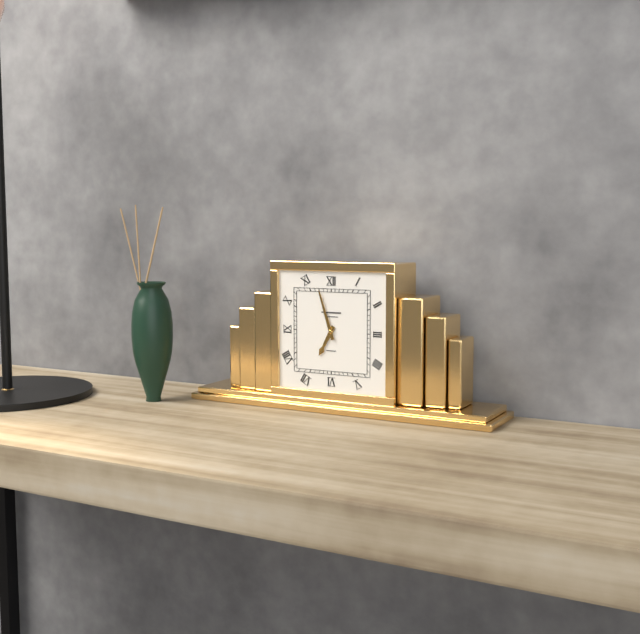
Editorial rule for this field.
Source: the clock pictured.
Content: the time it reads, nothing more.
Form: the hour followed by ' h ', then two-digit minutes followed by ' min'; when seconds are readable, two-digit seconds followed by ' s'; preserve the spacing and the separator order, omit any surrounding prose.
6 h 57 min
